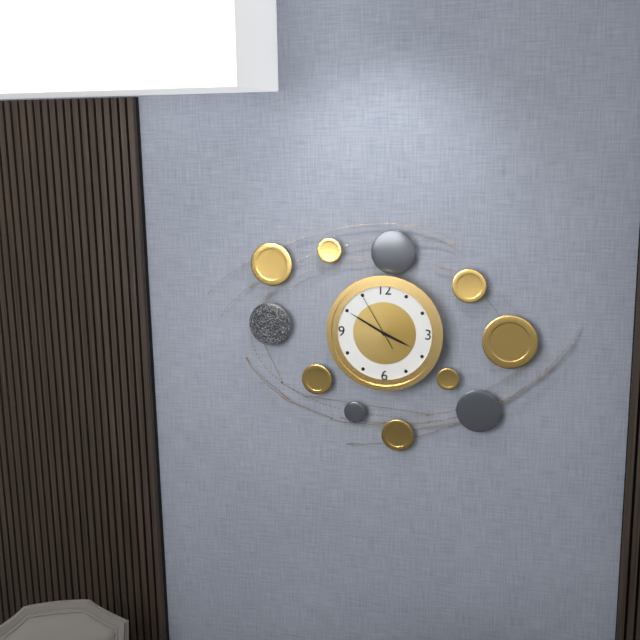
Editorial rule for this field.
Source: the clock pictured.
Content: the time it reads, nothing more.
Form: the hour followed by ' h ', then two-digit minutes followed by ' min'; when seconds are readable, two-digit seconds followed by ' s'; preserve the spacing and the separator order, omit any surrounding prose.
3 h 50 min 55 s
